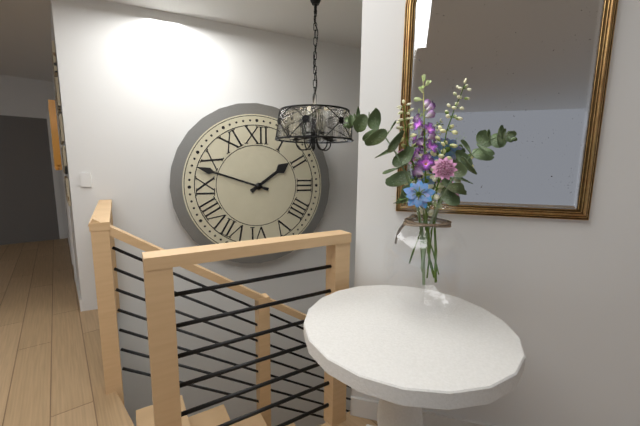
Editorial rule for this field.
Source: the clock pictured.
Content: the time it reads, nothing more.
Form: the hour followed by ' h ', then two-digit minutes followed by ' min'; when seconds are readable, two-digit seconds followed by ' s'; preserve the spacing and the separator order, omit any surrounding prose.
1 h 48 min
